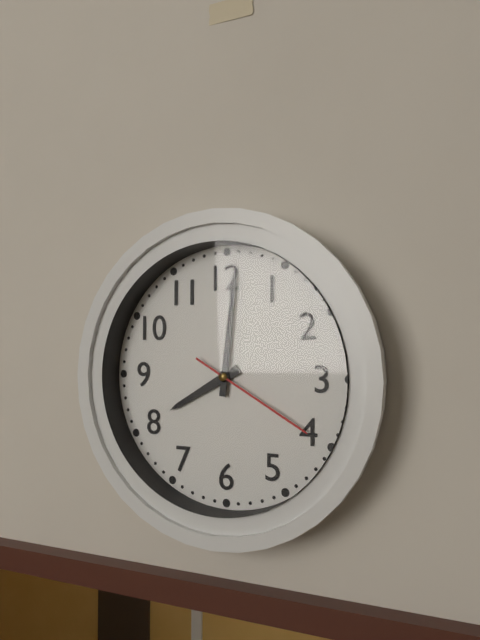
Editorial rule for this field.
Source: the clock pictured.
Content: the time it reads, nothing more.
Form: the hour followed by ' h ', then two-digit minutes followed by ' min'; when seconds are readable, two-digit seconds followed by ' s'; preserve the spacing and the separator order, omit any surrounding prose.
8 h 01 min 20 s
